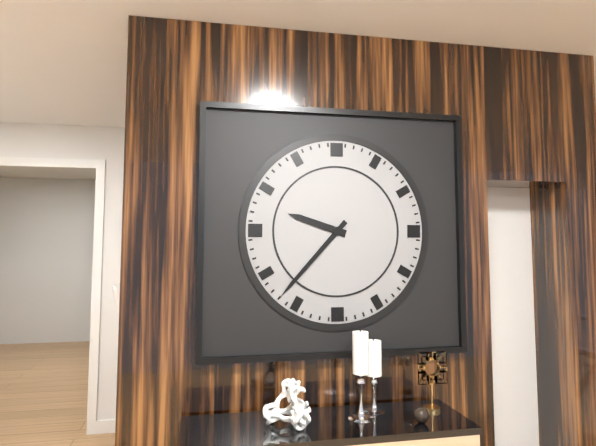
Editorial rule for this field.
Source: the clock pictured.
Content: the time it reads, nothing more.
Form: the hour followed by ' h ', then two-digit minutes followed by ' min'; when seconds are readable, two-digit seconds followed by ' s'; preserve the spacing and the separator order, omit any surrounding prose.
9 h 37 min
